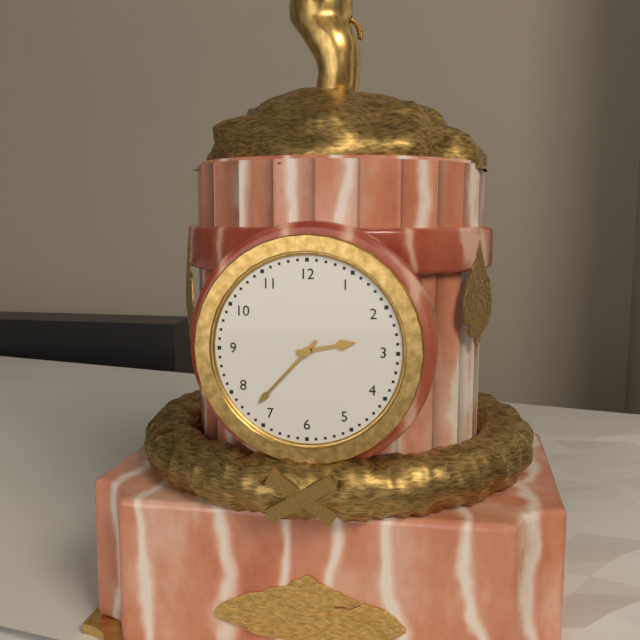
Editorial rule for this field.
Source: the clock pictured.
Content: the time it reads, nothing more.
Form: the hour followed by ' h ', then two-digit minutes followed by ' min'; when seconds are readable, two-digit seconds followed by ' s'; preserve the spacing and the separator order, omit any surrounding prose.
2 h 37 min
